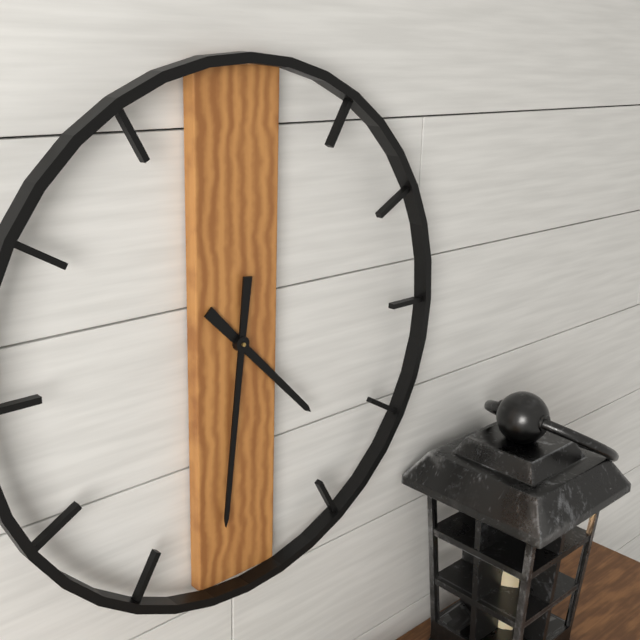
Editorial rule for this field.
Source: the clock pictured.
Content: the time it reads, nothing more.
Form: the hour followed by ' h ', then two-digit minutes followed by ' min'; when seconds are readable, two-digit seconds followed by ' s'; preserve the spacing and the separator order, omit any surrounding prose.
4 h 31 min
